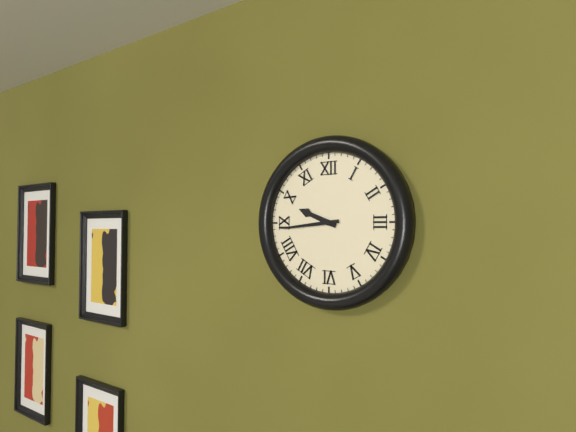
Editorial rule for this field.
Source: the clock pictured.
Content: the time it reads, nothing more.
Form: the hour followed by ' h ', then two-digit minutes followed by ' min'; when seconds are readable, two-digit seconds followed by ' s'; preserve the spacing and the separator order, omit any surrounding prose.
9 h 44 min
